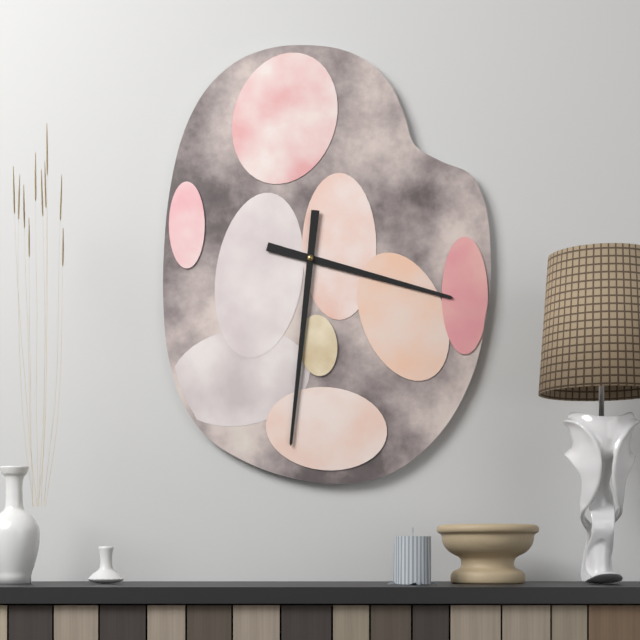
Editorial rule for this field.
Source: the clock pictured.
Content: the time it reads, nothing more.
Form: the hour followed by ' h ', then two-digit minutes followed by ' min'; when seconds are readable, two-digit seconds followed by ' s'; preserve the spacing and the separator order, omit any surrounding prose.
3 h 31 min
